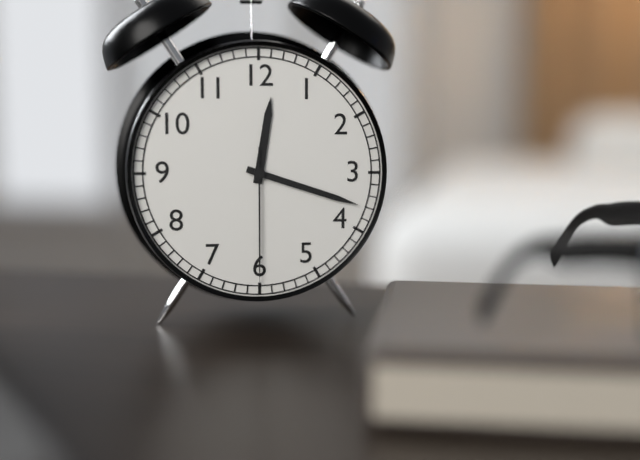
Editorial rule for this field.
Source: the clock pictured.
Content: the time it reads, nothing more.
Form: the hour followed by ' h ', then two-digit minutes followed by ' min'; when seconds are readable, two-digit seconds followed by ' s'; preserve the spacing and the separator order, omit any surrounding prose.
12 h 18 min 30 s
